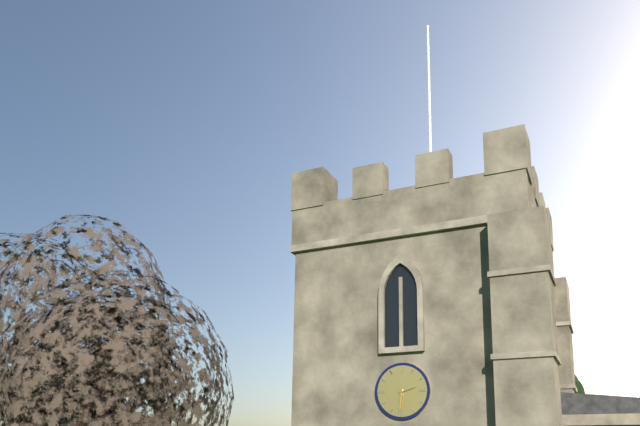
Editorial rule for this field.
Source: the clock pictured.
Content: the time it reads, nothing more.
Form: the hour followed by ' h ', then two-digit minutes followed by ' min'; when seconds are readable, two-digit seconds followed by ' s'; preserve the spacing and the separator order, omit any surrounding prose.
2 h 31 min
